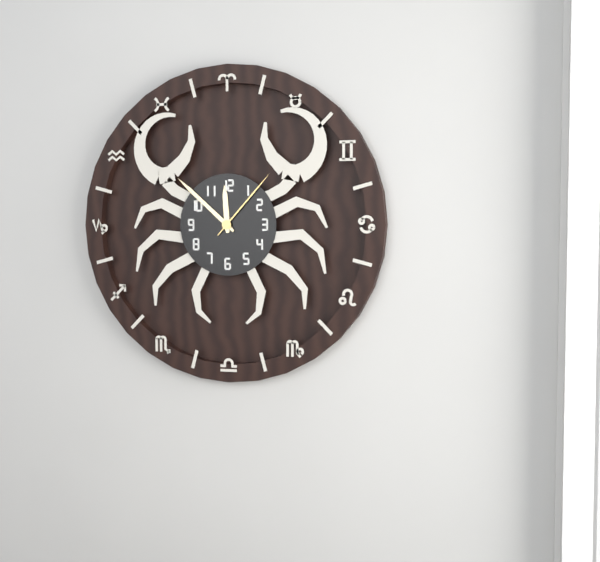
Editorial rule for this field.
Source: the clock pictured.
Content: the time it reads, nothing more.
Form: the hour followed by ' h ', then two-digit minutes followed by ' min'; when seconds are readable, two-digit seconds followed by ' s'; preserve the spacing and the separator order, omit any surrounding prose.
11 h 52 min 07 s
